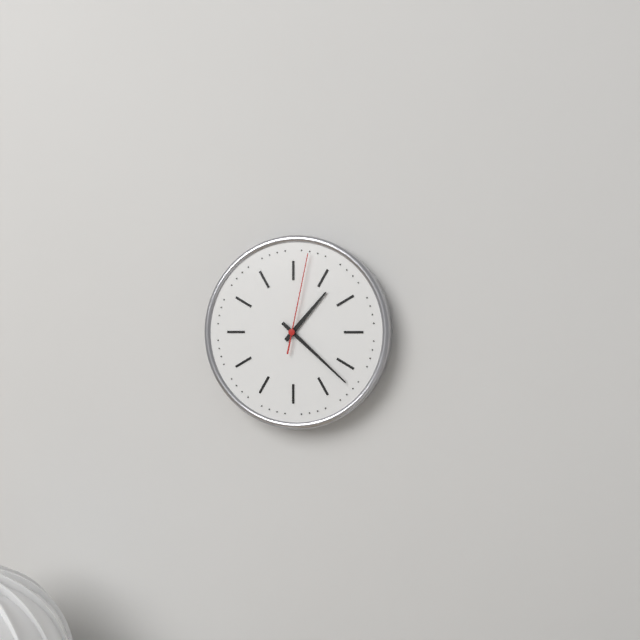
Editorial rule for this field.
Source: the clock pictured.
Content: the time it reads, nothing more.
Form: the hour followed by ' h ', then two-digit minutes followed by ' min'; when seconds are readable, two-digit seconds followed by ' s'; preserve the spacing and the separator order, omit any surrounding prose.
1 h 22 min 02 s
